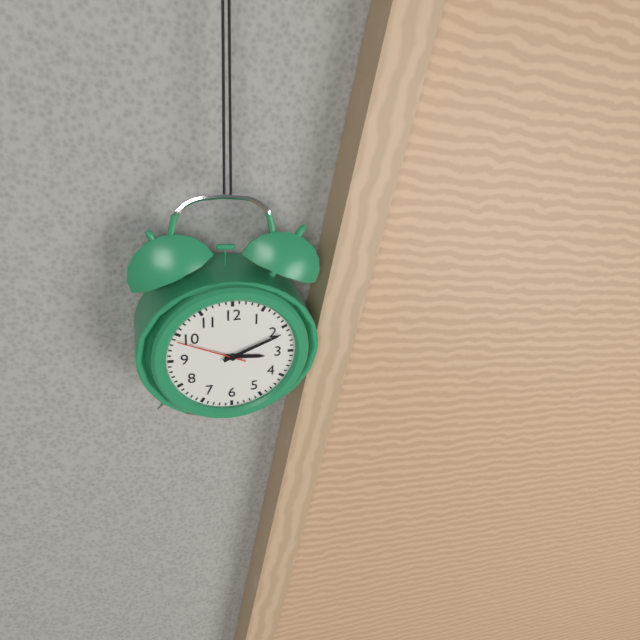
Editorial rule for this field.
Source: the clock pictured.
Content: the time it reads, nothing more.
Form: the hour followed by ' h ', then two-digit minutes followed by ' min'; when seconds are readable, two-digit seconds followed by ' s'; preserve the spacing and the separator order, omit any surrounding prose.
3 h 11 min 49 s
